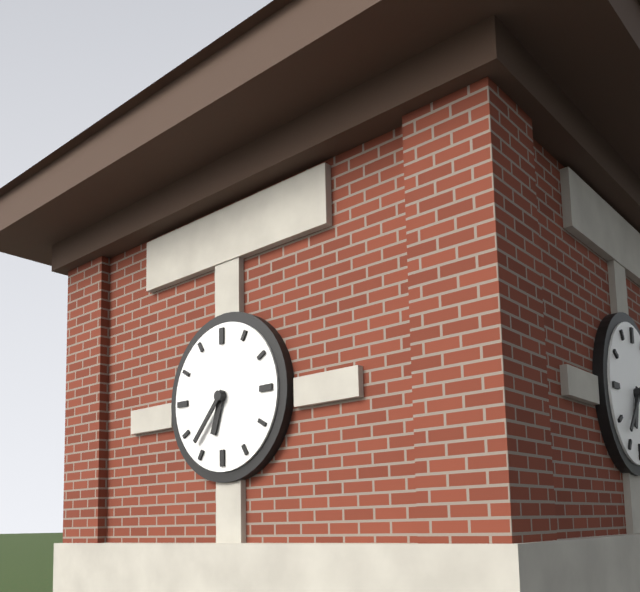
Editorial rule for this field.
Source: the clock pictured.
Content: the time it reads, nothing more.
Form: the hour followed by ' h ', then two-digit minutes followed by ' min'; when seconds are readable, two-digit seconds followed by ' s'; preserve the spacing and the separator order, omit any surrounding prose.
6 h 37 min
